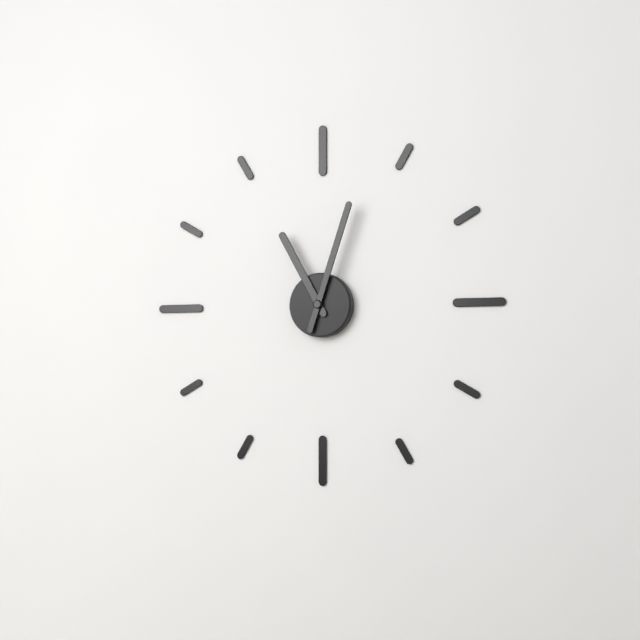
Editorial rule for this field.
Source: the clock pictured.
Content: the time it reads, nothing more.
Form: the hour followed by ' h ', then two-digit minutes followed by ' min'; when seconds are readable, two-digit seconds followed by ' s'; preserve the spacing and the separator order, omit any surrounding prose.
11 h 03 min
